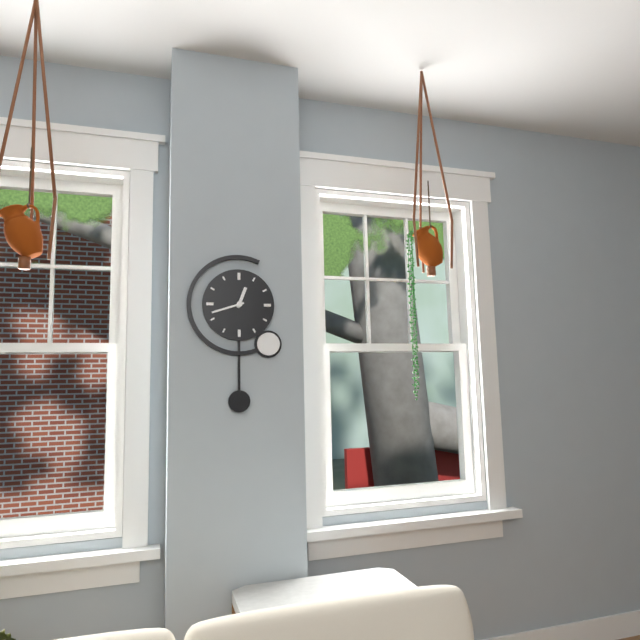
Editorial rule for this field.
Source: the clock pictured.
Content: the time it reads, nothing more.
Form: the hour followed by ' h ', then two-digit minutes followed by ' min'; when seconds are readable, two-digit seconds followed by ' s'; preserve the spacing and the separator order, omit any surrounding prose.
12 h 42 min
